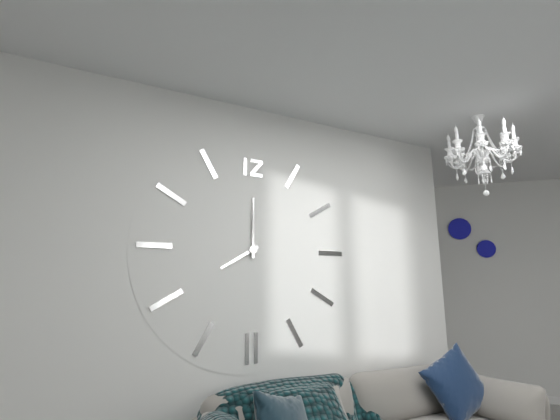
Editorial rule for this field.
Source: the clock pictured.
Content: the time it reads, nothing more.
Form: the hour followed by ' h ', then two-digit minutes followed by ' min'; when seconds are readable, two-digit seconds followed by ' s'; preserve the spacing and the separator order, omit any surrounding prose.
8 h 00 min
